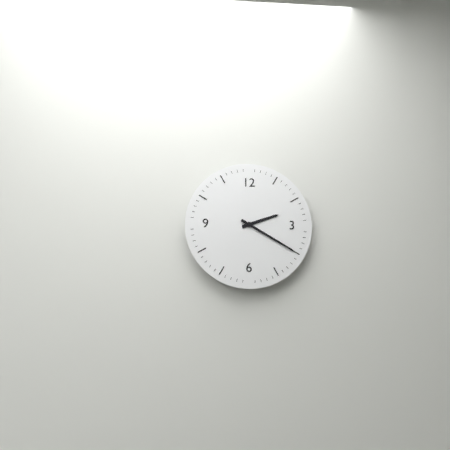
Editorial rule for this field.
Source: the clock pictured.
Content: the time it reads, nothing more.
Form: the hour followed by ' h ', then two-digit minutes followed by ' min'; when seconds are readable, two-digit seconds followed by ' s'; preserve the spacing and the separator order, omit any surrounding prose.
2 h 20 min
